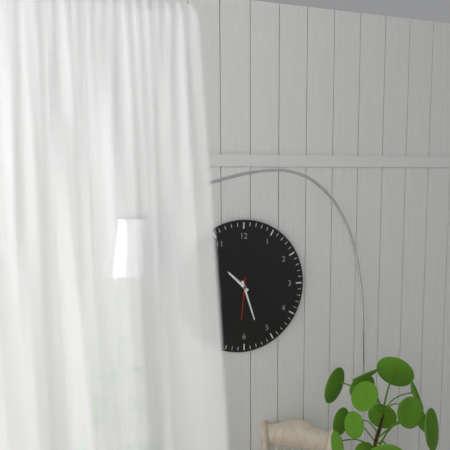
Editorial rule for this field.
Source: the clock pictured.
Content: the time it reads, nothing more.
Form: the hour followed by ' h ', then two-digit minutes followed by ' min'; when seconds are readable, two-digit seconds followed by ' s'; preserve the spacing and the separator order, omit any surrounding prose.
10 h 27 min
